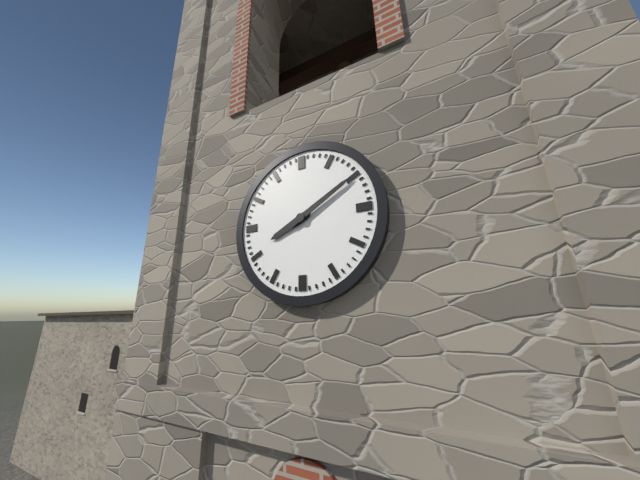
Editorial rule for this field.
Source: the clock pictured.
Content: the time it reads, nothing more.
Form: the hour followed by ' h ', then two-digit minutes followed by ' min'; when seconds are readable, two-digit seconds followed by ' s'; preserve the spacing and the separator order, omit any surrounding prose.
8 h 10 min
